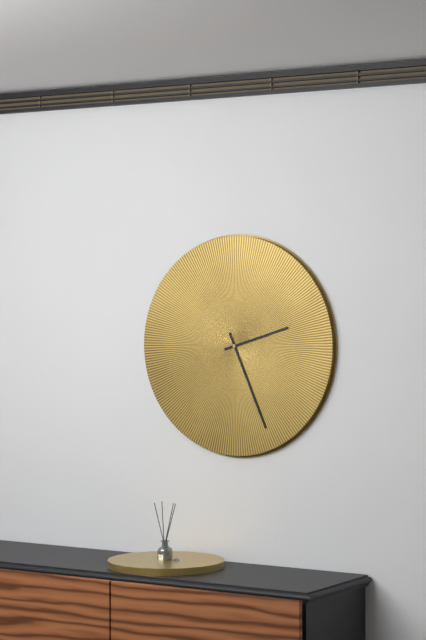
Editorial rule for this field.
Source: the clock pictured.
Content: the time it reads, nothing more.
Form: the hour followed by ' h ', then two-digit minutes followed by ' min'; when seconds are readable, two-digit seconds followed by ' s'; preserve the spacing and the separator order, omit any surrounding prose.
2 h 26 min
